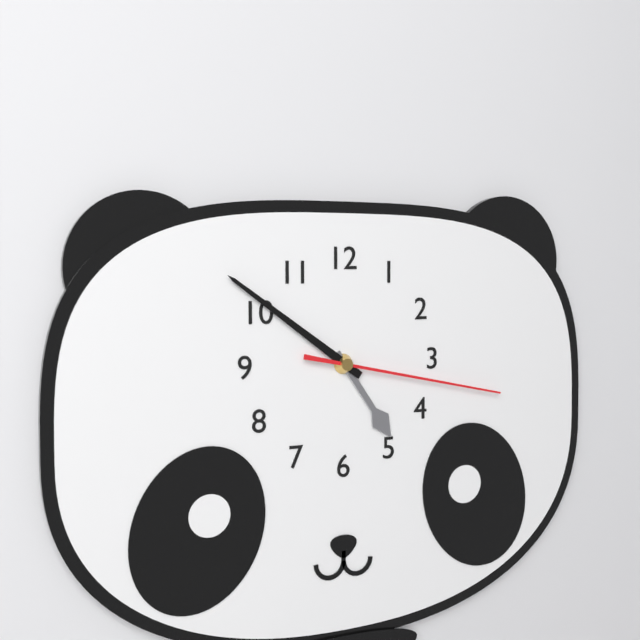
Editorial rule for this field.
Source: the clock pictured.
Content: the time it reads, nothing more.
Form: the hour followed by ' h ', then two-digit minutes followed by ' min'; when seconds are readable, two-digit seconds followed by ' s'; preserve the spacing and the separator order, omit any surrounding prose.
4 h 51 min 17 s
